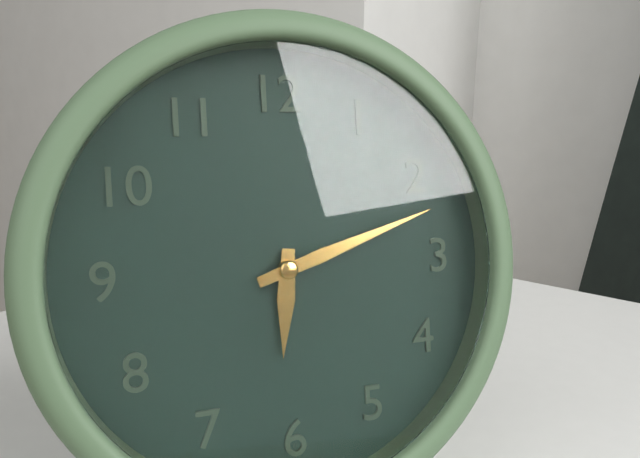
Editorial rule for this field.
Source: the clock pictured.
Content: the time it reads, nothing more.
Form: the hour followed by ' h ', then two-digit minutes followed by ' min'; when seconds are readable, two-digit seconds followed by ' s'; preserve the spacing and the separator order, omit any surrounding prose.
6 h 12 min
